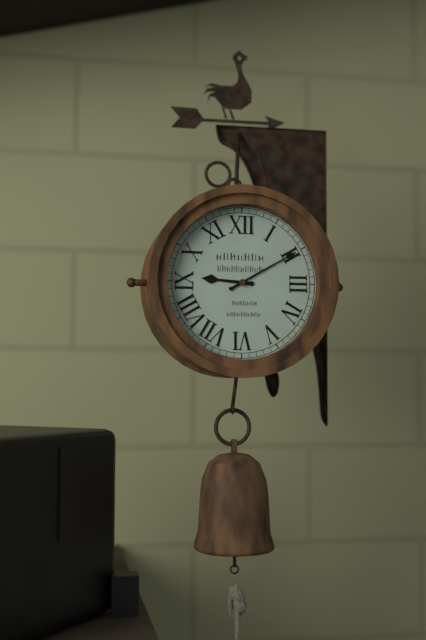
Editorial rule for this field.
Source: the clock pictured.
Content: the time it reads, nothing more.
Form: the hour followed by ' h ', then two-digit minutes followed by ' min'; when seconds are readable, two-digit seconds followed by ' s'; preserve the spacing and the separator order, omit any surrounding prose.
9 h 10 min
